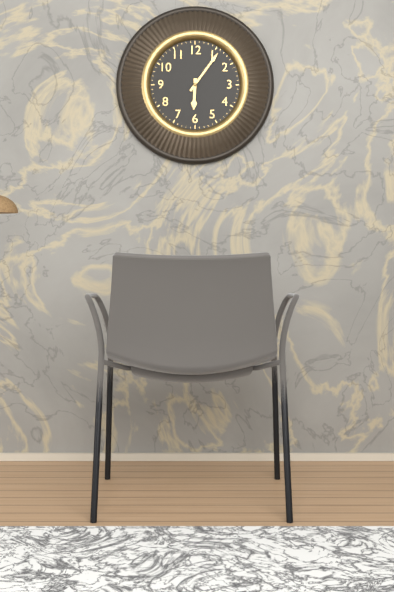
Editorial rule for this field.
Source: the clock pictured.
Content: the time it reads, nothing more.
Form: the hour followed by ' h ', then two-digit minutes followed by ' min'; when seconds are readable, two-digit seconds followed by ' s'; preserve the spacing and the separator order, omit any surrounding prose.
6 h 06 min
